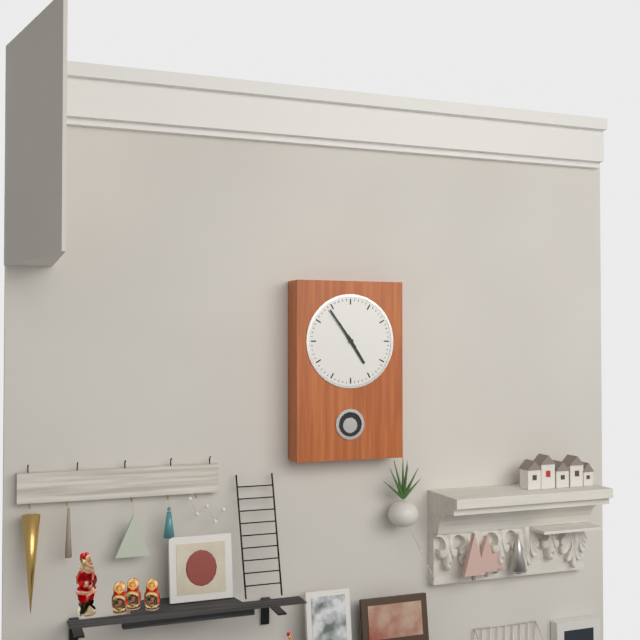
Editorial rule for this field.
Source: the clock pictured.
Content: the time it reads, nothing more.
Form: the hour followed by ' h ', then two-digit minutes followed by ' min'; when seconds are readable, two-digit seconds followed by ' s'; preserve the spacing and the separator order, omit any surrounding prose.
4 h 54 min
